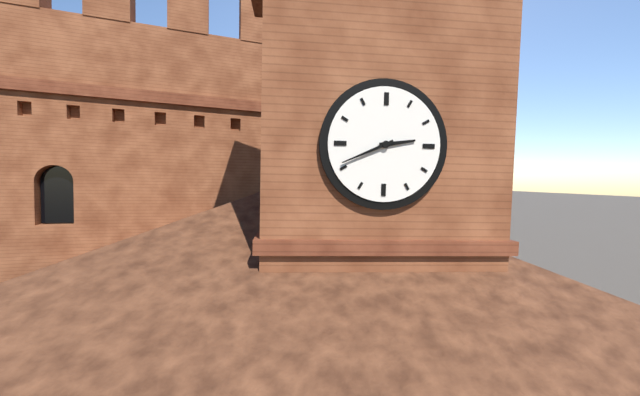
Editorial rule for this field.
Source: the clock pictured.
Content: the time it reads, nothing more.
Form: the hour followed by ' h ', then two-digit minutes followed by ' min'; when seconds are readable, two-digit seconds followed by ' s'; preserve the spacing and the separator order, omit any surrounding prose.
2 h 41 min
